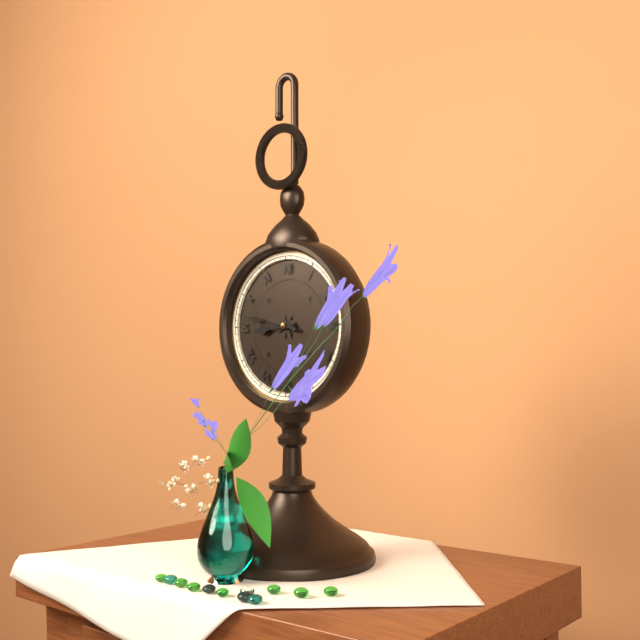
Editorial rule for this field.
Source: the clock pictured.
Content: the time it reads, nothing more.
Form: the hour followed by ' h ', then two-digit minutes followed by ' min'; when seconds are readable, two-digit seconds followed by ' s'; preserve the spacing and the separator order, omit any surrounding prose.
8 h 47 min
